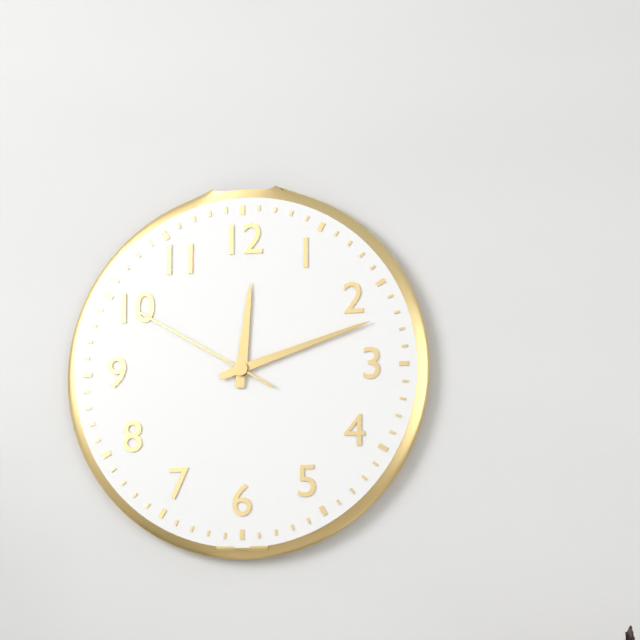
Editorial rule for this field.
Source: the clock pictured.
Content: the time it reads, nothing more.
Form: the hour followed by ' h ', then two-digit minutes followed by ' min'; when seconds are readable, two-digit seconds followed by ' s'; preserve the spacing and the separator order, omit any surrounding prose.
12 h 12 min 50 s
